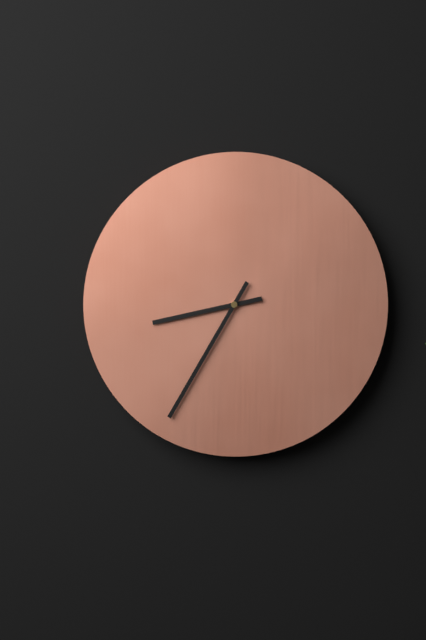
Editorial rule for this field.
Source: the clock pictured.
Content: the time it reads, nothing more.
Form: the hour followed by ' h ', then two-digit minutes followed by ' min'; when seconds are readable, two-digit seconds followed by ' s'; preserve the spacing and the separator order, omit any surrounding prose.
8 h 35 min
